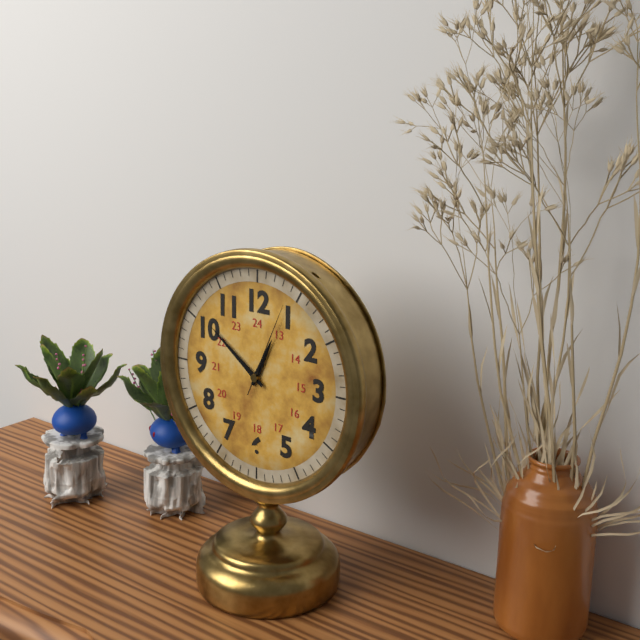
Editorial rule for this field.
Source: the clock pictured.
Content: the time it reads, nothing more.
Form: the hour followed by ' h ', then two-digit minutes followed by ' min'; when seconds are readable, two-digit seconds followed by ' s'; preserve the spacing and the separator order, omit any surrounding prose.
12 h 51 min 04 s
